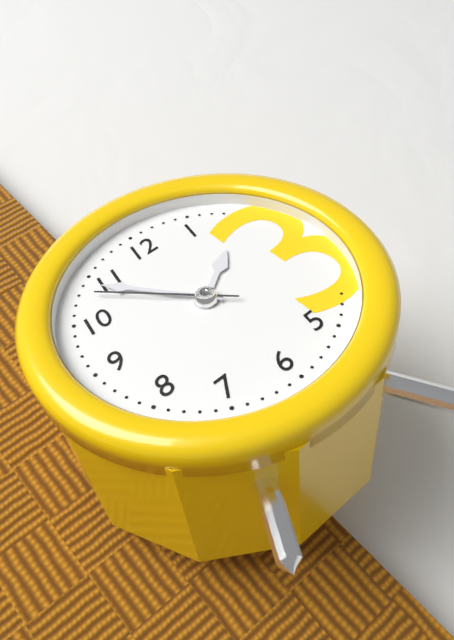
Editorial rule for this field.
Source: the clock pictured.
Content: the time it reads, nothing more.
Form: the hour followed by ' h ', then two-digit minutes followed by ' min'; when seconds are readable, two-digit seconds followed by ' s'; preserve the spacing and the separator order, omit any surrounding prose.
1 h 54 min 53 s
